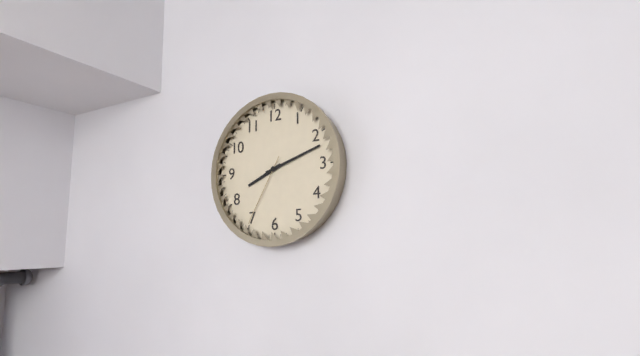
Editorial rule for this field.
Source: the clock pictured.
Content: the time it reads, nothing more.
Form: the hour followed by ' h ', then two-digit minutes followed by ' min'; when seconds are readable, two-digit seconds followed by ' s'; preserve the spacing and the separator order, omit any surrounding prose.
8 h 12 min 35 s
